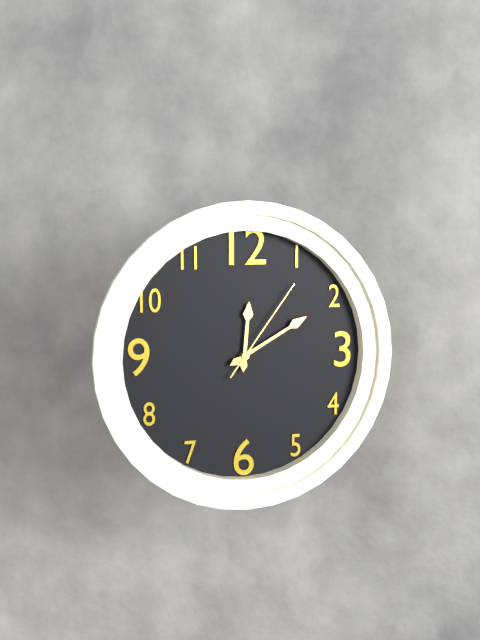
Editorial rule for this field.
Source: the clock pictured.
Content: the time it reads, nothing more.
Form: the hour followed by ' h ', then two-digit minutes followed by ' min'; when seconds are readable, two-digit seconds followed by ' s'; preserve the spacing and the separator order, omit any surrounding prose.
12 h 10 min 06 s
